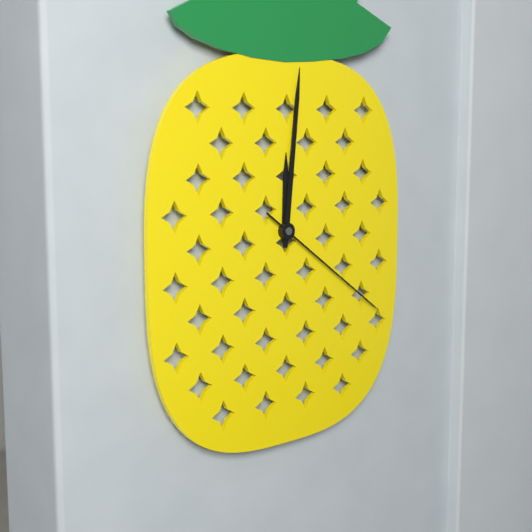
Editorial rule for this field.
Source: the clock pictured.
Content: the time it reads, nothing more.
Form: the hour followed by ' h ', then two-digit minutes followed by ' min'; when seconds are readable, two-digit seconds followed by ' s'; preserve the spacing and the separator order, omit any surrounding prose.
12 h 01 min 21 s
